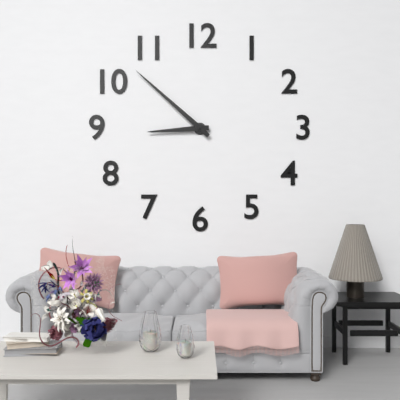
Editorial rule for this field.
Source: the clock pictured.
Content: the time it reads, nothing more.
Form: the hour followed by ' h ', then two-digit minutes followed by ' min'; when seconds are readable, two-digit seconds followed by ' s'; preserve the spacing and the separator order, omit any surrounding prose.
8 h 52 min
